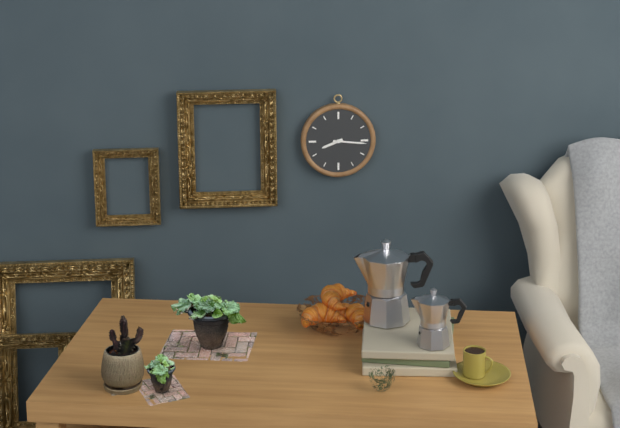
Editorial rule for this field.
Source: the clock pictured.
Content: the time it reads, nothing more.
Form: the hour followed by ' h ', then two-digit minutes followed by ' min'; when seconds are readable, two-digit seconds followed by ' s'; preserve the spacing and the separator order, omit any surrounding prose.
8 h 16 min
